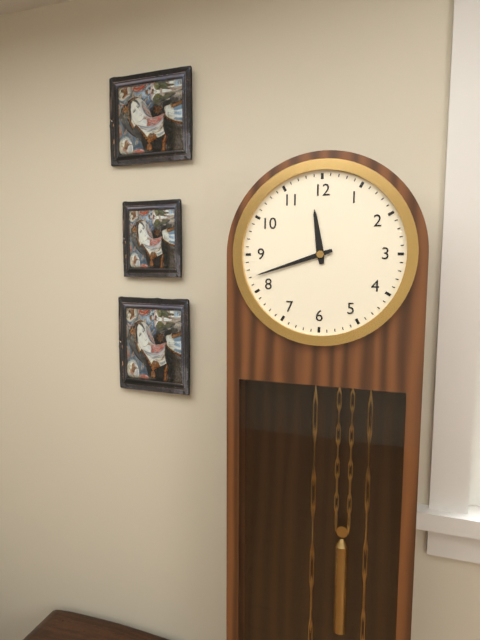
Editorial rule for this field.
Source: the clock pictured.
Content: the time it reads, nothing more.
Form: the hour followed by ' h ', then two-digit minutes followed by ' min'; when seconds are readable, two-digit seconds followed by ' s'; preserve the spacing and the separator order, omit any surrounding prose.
11 h 42 min
